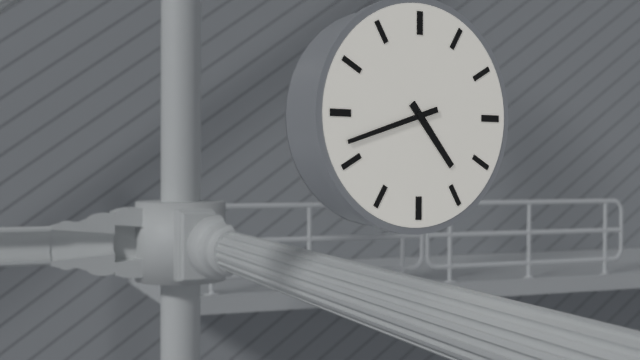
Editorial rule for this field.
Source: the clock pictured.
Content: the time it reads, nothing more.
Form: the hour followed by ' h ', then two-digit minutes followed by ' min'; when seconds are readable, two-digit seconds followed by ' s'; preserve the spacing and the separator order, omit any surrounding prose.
4 h 42 min
